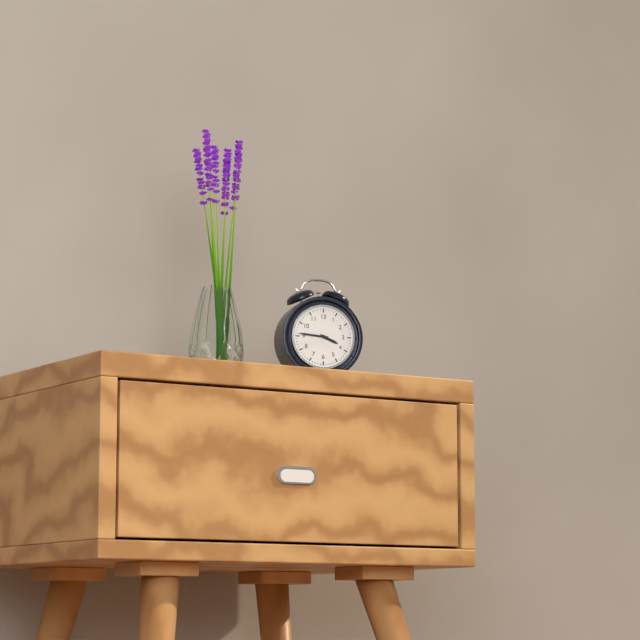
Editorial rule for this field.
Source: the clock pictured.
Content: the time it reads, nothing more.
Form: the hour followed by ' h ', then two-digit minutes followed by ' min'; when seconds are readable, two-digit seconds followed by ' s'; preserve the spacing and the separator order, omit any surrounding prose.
3 h 46 min
